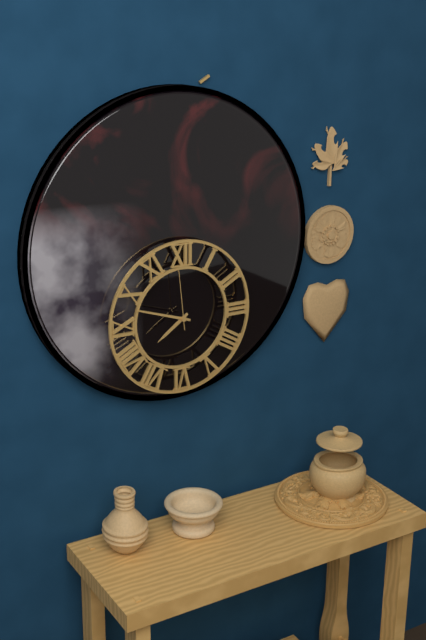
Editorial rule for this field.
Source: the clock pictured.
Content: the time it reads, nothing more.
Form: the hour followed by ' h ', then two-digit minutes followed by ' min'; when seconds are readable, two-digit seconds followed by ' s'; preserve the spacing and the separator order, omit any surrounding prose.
7 h 48 min 59 s
